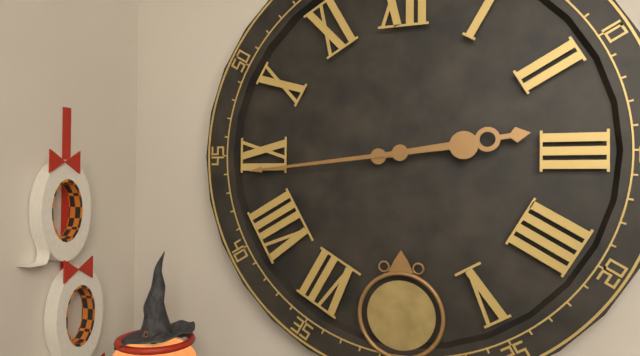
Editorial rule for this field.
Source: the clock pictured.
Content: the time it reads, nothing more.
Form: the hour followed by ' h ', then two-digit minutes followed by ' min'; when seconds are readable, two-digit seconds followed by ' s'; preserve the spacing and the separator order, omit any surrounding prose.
2 h 44 min
